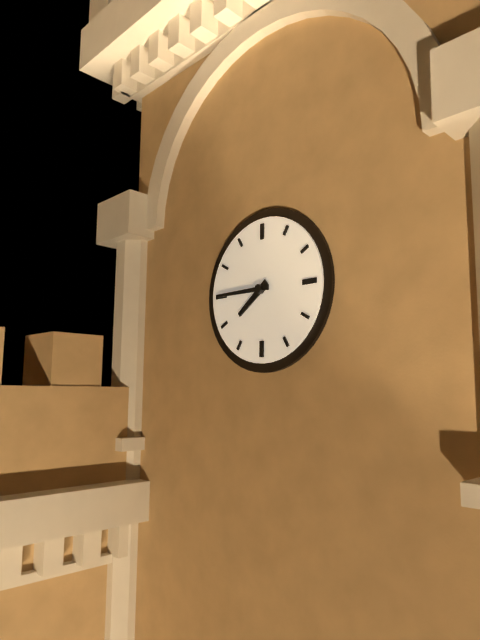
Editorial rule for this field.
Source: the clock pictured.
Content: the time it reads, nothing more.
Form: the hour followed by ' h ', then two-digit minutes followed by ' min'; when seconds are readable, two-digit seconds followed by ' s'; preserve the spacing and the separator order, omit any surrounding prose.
7 h 45 min
